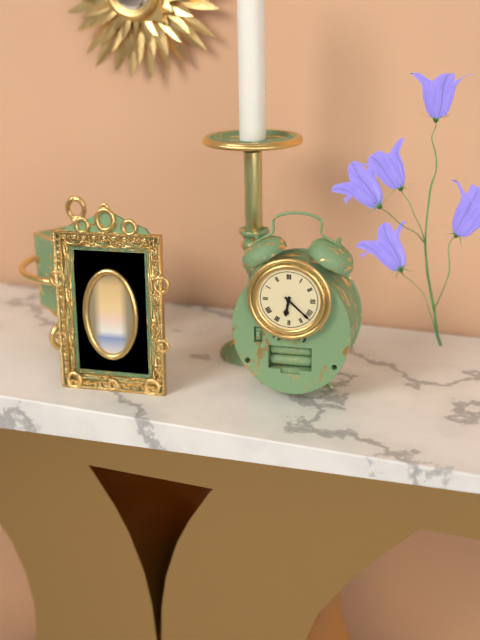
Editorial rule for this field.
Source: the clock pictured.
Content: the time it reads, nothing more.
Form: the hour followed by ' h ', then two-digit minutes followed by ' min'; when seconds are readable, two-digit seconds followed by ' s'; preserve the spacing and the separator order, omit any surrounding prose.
6 h 22 min
